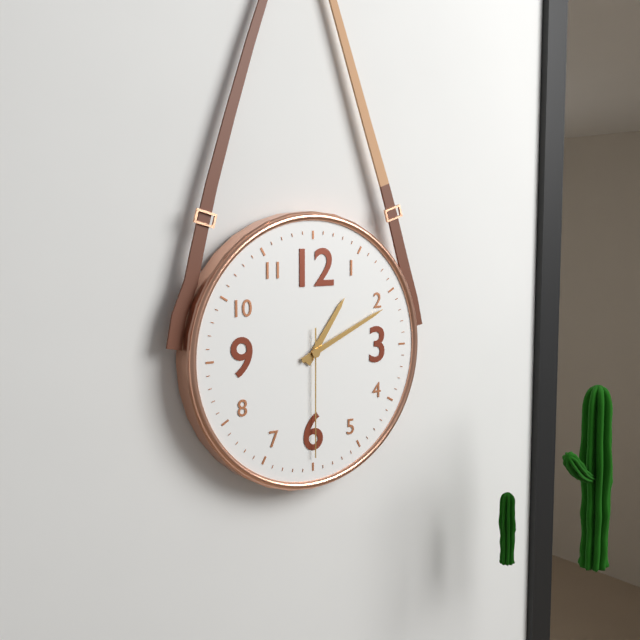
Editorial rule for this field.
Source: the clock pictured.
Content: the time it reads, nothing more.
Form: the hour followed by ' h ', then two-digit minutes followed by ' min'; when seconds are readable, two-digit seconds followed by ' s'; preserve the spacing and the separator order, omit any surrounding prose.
1 h 11 min 30 s
